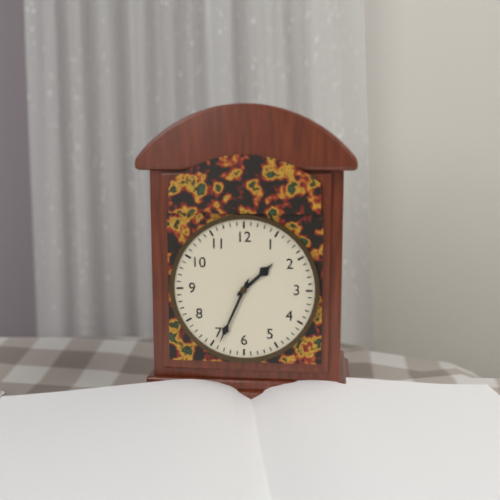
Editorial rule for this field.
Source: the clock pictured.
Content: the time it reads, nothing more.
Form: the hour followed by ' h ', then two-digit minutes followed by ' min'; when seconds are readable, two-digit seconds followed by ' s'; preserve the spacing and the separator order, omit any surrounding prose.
1 h 34 min
